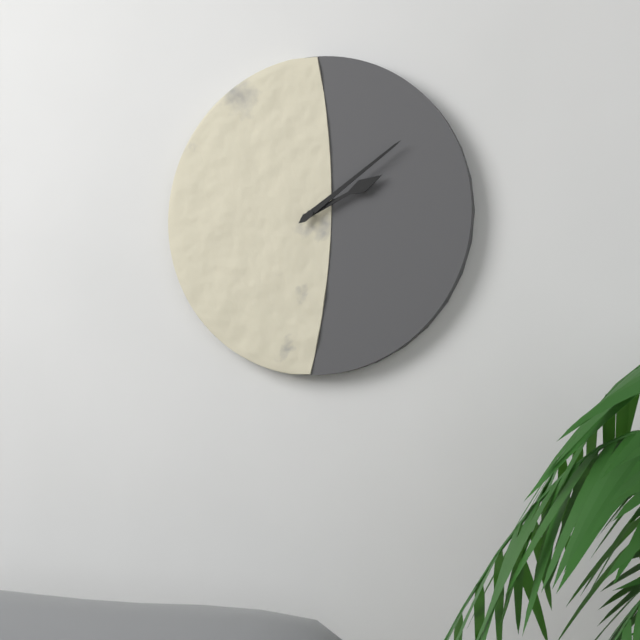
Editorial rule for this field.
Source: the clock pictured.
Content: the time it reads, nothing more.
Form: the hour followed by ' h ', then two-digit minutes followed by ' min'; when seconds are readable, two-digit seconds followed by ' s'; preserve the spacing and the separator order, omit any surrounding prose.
2 h 09 min
